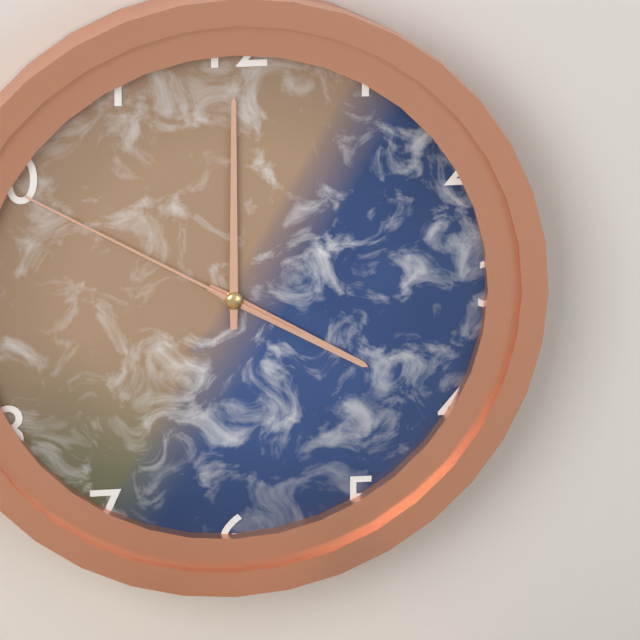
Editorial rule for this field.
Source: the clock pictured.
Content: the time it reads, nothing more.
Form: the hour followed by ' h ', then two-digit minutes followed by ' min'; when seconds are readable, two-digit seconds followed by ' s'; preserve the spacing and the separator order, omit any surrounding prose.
4 h 00 min 50 s
